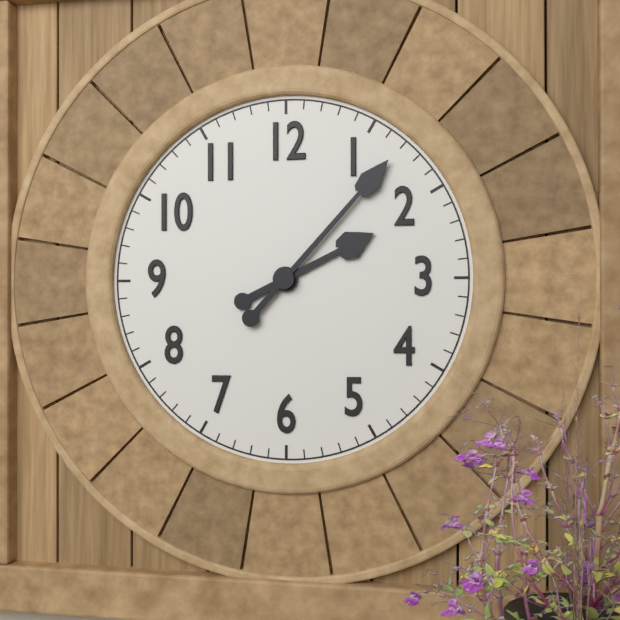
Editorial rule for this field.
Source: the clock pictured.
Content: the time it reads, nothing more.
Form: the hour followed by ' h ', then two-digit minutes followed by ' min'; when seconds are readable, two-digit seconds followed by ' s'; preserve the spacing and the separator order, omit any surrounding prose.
2 h 07 min
